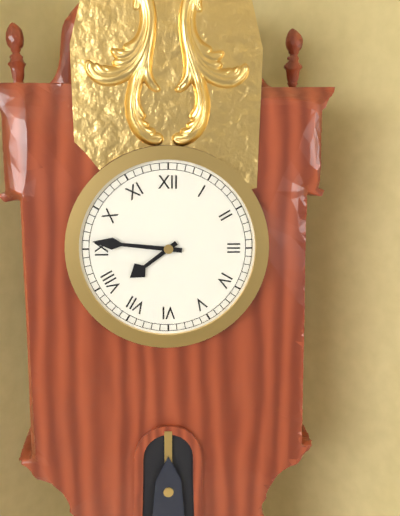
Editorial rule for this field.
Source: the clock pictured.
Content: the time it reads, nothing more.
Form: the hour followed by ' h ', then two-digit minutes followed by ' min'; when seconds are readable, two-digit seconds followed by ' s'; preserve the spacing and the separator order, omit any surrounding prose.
7 h 46 min
